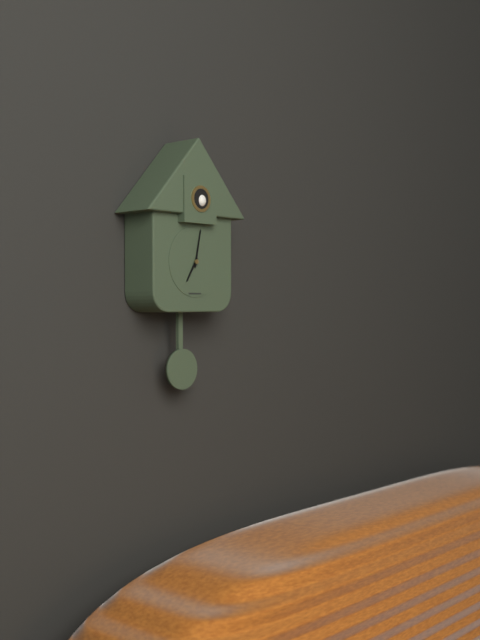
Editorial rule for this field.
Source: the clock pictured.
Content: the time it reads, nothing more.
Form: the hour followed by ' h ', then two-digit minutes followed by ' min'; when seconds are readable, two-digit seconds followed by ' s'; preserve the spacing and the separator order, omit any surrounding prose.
7 h 02 min
